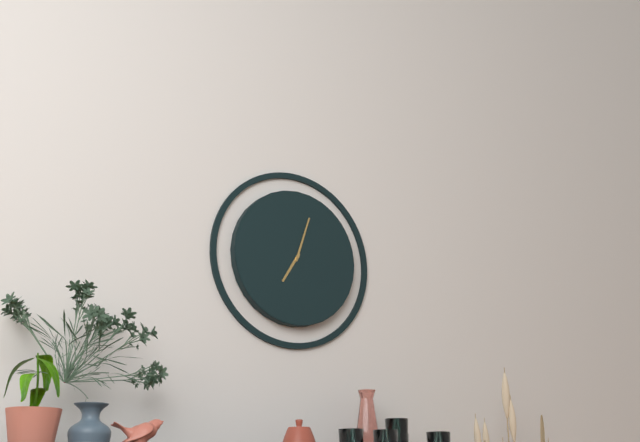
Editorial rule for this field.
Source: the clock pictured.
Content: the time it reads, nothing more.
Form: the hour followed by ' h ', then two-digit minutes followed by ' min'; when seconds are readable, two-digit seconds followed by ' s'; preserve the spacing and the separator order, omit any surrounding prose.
7 h 03 min
